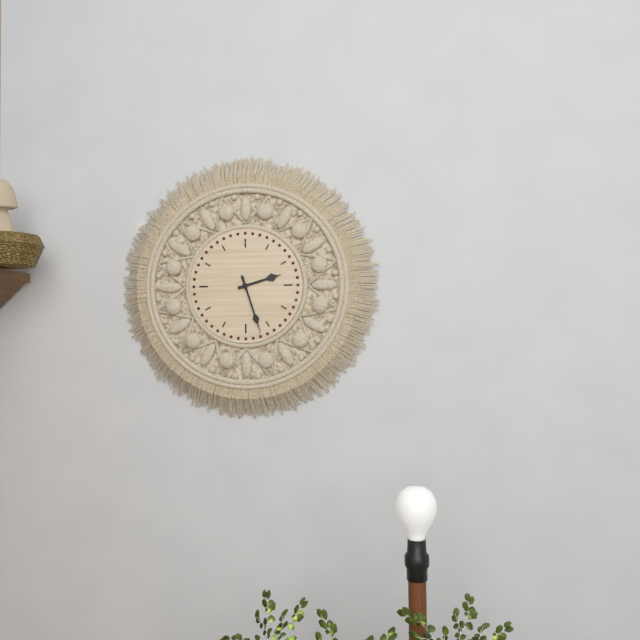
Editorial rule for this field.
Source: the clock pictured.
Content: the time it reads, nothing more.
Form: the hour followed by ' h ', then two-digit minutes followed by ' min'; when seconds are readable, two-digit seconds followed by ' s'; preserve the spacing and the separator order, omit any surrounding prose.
2 h 27 min
